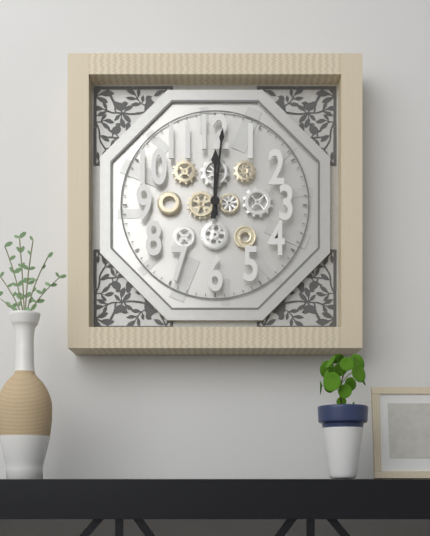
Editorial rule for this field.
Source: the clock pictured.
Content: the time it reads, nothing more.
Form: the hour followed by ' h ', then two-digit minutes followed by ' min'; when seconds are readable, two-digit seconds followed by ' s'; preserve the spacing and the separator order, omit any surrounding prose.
12 h 01 min
